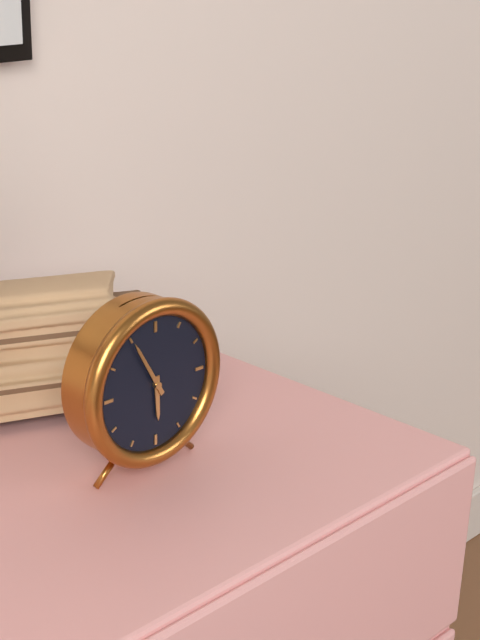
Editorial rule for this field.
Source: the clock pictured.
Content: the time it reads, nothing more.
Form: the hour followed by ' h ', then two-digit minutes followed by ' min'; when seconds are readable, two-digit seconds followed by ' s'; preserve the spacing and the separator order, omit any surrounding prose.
5 h 55 min
